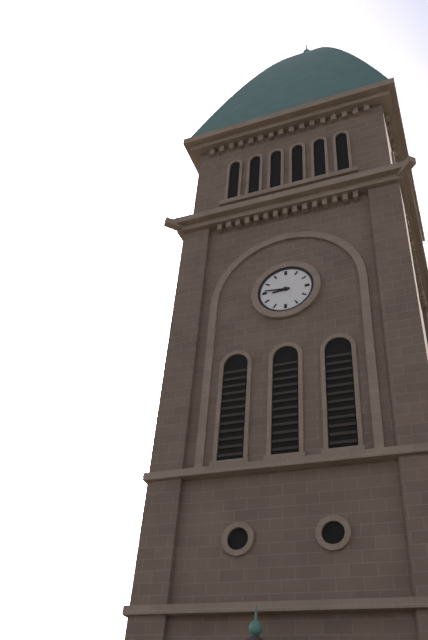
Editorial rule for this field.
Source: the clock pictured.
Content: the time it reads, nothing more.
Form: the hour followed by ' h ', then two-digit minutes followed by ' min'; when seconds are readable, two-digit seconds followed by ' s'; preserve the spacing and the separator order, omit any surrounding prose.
8 h 46 min
